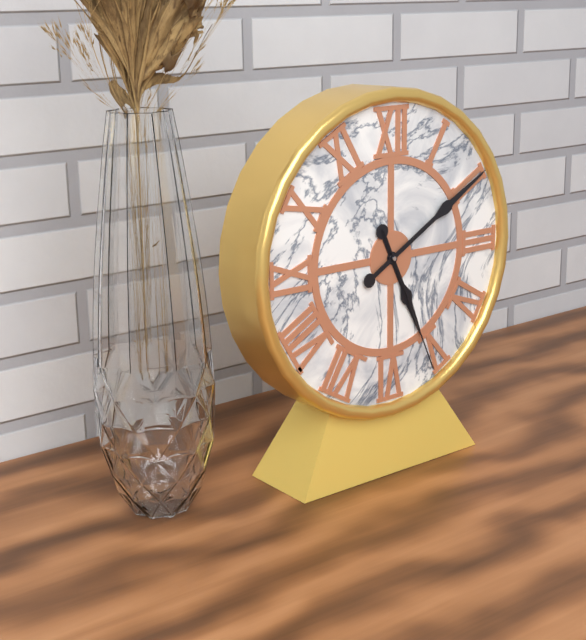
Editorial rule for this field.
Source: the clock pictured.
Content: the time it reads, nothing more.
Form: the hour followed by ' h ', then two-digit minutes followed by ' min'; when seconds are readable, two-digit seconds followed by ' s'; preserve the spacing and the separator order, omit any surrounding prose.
5 h 10 min 26 s
